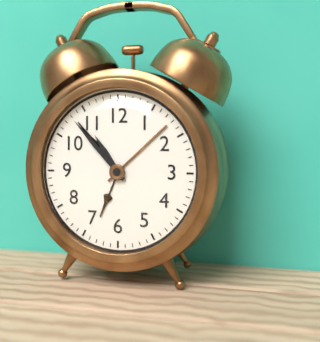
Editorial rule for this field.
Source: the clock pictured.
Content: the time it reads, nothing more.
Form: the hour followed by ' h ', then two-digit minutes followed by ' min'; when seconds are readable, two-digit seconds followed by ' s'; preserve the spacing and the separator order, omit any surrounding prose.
10 h 53 min
